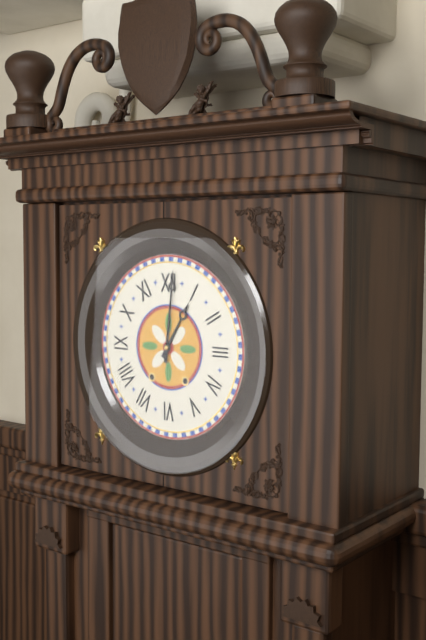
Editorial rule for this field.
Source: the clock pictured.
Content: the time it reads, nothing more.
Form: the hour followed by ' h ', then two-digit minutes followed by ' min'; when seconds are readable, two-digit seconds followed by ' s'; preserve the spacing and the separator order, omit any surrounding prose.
1 h 01 min
